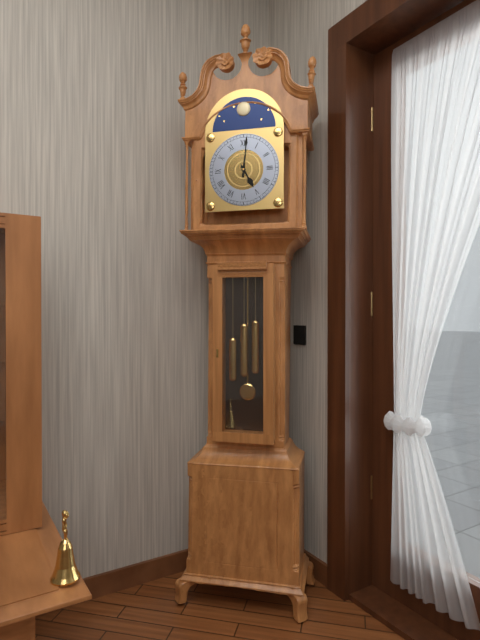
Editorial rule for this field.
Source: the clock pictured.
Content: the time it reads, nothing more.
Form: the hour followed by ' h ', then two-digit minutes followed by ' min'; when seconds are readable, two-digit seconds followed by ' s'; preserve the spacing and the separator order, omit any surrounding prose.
5 h 01 min
